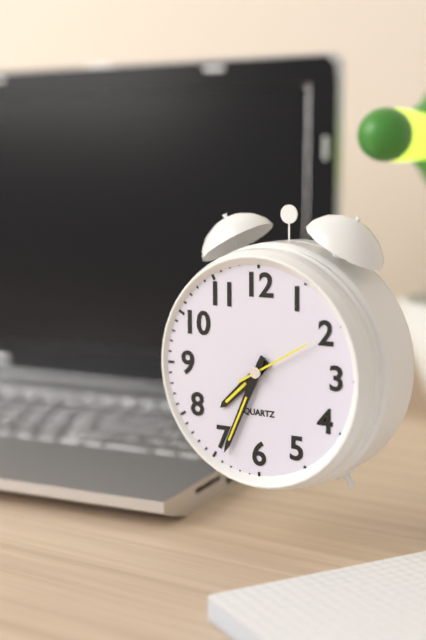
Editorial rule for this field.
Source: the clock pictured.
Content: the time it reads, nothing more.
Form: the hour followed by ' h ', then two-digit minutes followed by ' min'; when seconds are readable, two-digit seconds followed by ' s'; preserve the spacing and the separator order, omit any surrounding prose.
7 h 34 min 10 s
